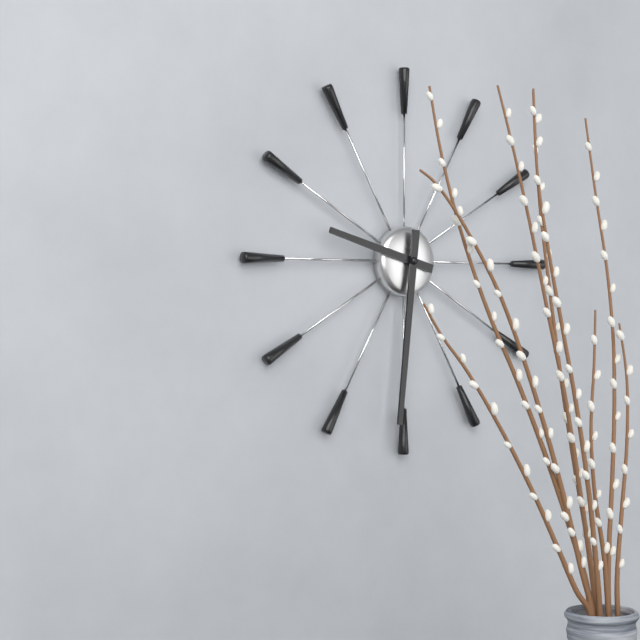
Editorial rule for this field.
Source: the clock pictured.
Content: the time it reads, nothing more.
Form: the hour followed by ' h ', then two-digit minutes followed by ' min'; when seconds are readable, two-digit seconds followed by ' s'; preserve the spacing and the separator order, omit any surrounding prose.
9 h 31 min
